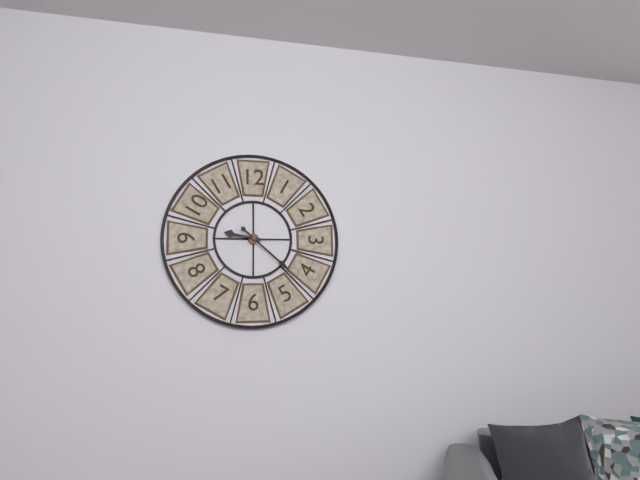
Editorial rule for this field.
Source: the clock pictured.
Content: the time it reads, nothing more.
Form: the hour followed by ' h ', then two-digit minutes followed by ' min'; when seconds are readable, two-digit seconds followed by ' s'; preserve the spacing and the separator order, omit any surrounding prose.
9 h 22 min
